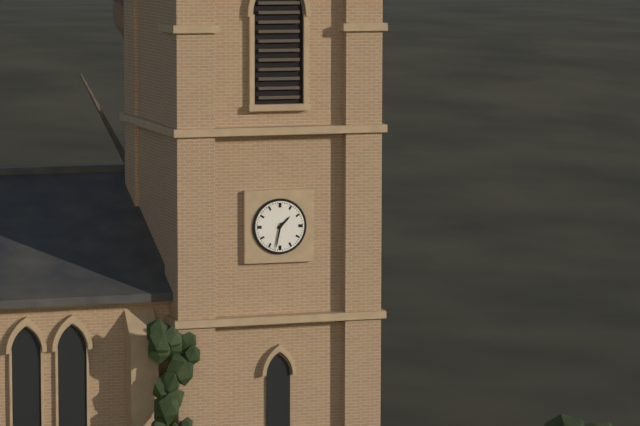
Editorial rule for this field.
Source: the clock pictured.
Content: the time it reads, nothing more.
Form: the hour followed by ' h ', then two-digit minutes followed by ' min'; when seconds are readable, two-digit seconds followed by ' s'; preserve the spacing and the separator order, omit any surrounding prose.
1 h 32 min
